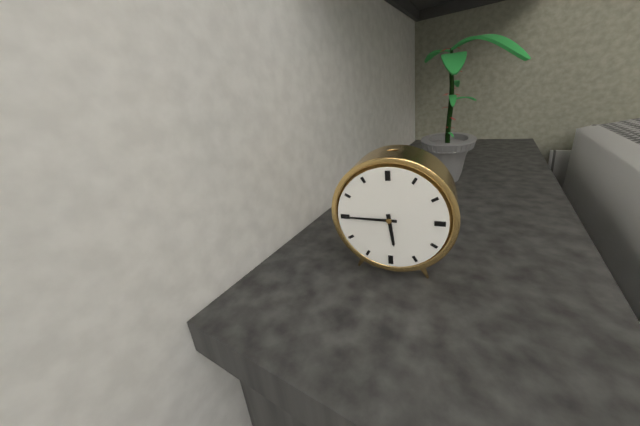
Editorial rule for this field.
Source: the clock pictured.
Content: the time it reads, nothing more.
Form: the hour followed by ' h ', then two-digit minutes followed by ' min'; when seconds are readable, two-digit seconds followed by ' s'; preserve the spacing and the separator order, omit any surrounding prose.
5 h 45 min
